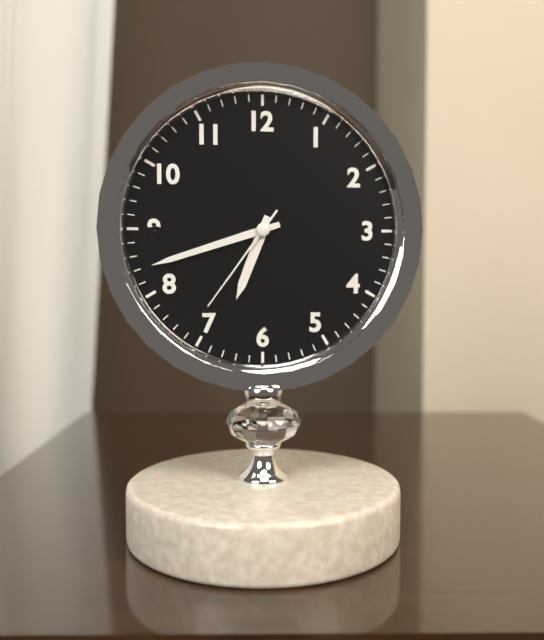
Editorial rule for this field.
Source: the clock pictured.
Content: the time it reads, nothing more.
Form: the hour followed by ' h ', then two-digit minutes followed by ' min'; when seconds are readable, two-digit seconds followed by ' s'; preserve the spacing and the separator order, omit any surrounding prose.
6 h 42 min 36 s
